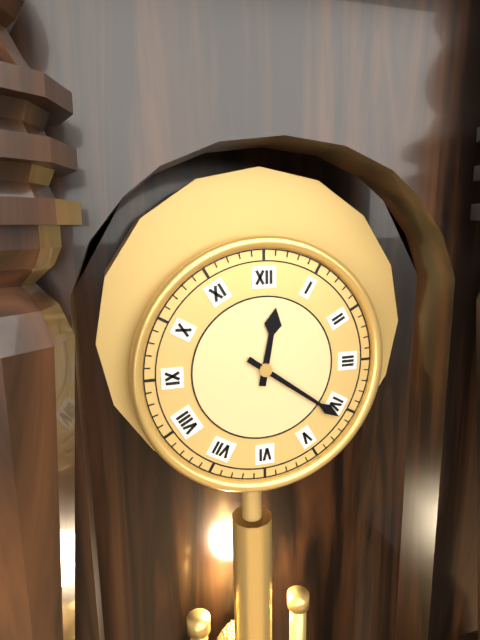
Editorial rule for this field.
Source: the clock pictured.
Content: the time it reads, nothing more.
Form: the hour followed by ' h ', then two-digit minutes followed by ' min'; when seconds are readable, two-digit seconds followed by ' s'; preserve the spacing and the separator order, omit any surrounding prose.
12 h 21 min
